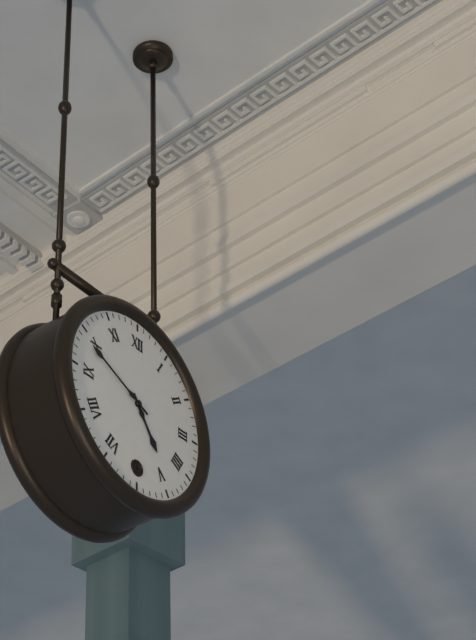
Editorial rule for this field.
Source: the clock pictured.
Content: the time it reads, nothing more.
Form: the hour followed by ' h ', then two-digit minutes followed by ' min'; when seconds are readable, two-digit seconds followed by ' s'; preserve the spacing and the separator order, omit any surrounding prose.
4 h 49 min
